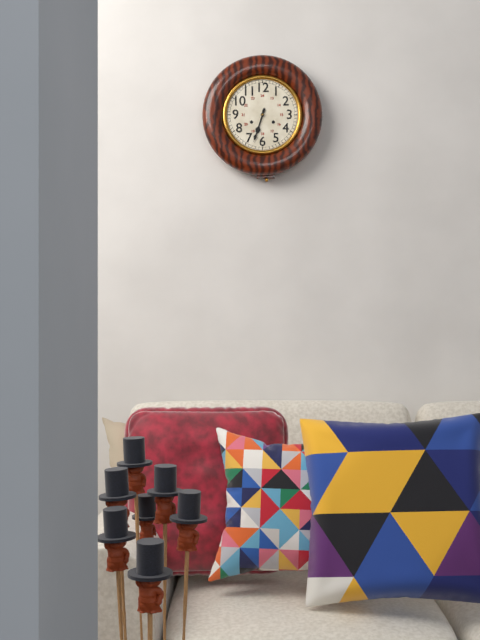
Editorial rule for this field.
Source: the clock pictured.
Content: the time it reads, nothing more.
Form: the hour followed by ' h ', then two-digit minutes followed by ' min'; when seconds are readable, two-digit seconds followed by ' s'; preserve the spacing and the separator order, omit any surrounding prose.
6 h 33 min
